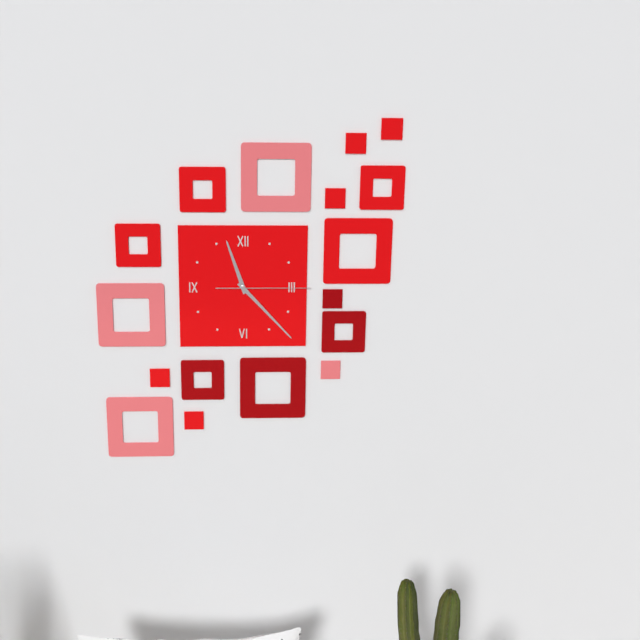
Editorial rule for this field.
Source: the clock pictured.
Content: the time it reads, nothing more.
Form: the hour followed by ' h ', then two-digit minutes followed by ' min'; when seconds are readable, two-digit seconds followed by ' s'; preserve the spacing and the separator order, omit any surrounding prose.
11 h 23 min 15 s
